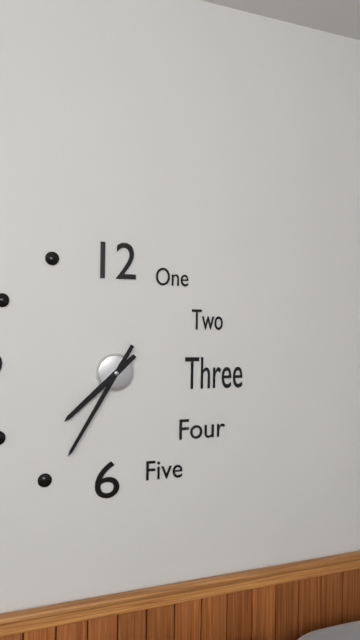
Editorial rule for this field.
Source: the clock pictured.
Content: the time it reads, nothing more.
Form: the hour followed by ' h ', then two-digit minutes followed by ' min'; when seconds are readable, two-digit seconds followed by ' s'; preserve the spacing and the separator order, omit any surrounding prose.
7 h 35 min
